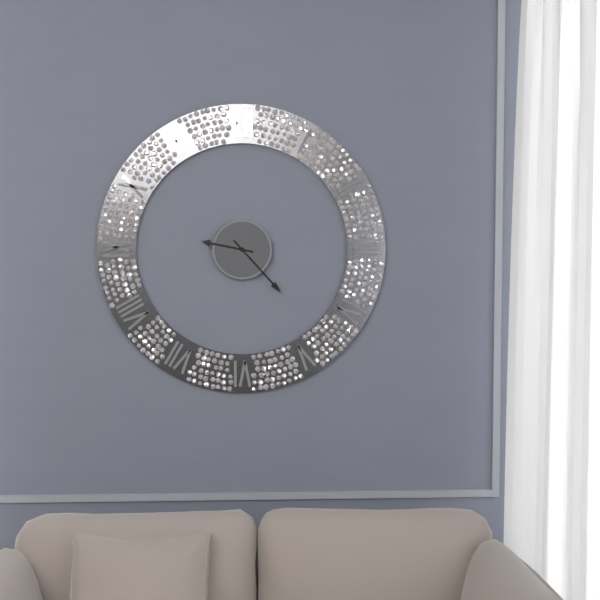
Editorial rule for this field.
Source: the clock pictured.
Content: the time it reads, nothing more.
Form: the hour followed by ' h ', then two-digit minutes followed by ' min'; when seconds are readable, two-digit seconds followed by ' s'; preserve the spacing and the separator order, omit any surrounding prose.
9 h 23 min
